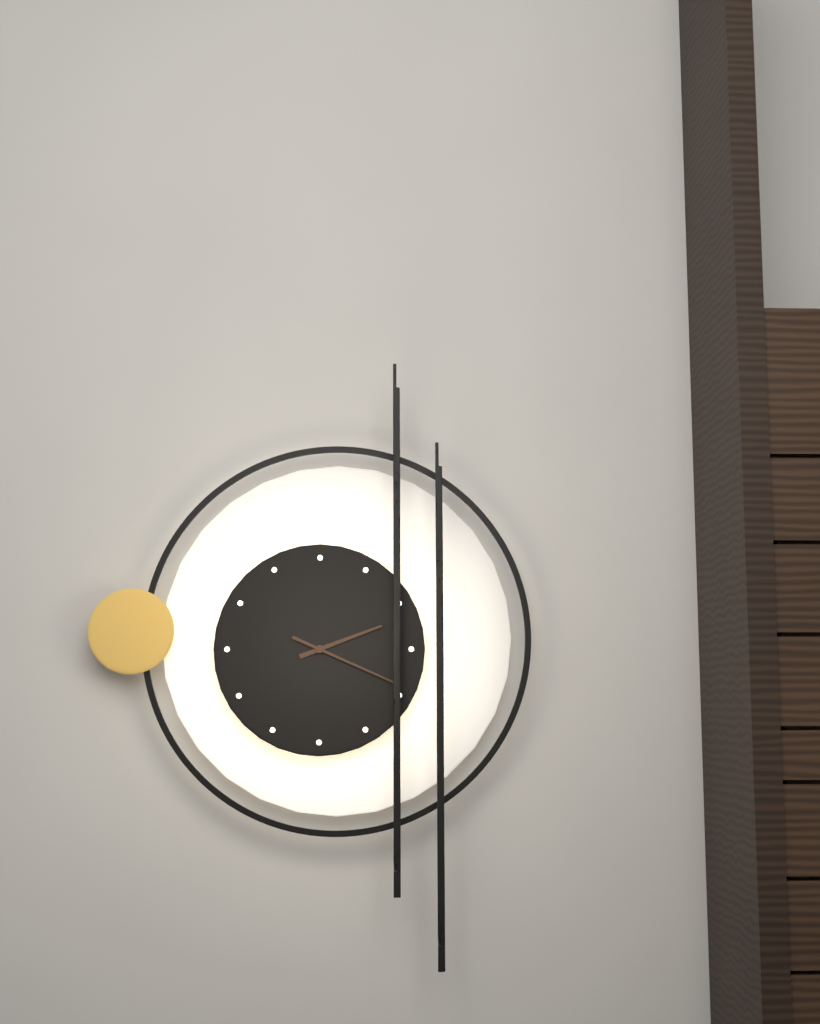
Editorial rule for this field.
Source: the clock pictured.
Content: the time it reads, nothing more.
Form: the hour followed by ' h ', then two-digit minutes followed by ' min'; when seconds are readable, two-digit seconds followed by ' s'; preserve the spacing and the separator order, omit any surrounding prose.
2 h 19 min
